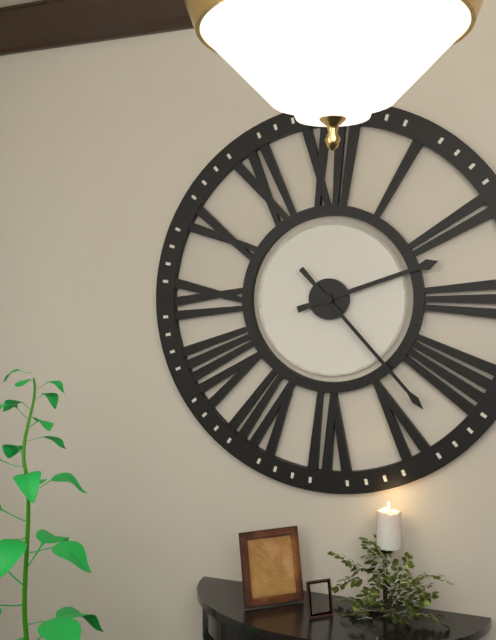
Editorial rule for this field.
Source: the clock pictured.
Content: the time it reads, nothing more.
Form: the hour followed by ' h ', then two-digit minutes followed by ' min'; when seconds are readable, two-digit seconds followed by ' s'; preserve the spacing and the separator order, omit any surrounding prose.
2 h 23 min
